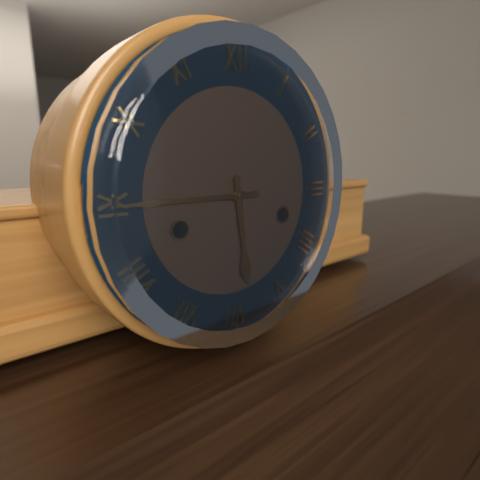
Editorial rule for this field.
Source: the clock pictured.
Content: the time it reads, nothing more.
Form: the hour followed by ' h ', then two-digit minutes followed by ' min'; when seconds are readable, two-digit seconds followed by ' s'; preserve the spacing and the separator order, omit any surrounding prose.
5 h 45 min
